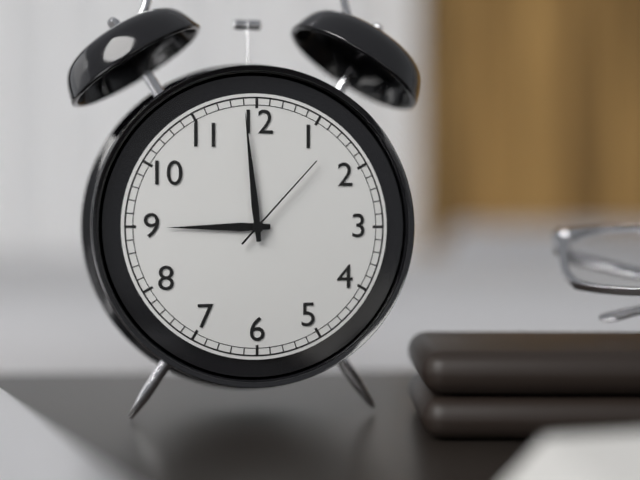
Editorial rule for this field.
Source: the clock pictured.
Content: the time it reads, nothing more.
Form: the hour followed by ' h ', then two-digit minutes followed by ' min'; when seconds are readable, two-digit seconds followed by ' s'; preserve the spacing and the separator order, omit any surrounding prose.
8 h 59 min 07 s
